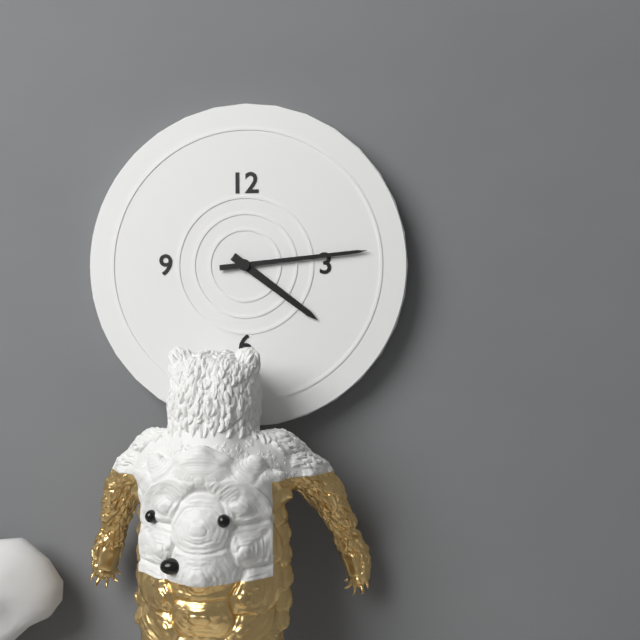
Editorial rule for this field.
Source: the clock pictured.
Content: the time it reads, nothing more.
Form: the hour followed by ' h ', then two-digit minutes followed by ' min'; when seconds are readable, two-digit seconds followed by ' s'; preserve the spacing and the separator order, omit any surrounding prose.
4 h 14 min
